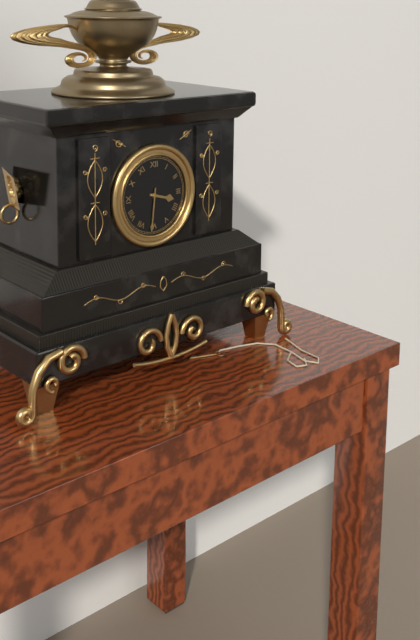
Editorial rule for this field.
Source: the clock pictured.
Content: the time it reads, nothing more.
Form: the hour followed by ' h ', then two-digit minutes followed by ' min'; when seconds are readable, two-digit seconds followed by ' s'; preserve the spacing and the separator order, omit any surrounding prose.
3 h 31 min
